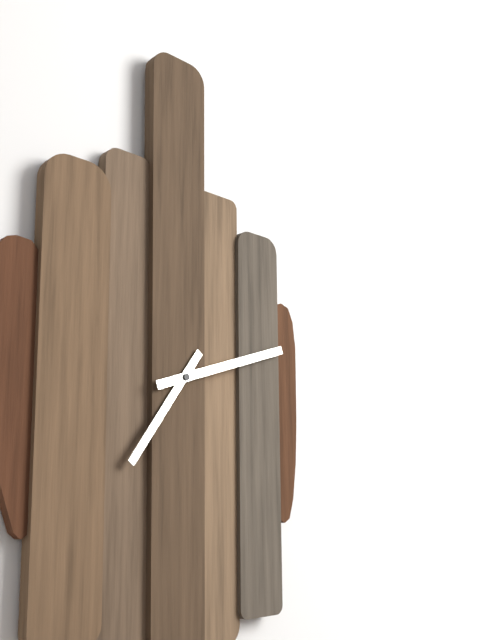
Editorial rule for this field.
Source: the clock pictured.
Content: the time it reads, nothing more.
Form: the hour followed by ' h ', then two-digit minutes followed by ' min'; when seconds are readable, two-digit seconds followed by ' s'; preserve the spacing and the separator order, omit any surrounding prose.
7 h 12 min
